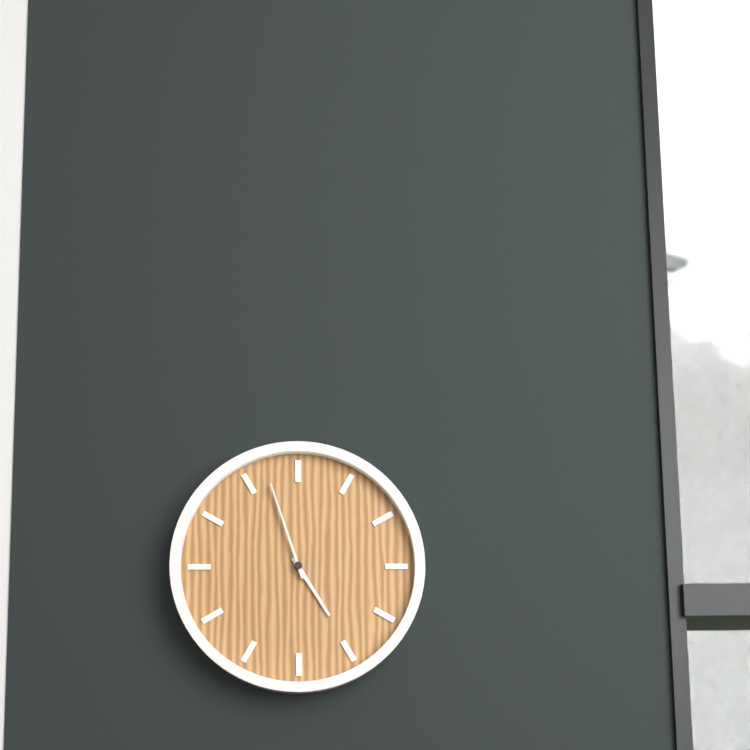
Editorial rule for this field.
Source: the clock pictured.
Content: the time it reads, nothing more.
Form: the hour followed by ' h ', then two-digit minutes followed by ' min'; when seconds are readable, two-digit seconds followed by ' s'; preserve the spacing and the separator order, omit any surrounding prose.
4 h 57 min
